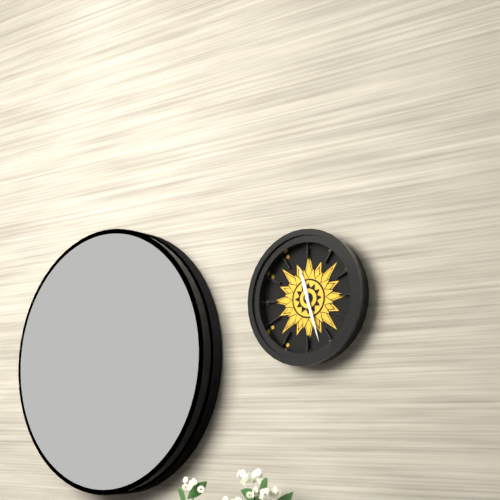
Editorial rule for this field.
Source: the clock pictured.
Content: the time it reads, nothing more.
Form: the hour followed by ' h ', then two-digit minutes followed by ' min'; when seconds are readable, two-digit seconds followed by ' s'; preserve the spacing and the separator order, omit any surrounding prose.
11 h 27 min
